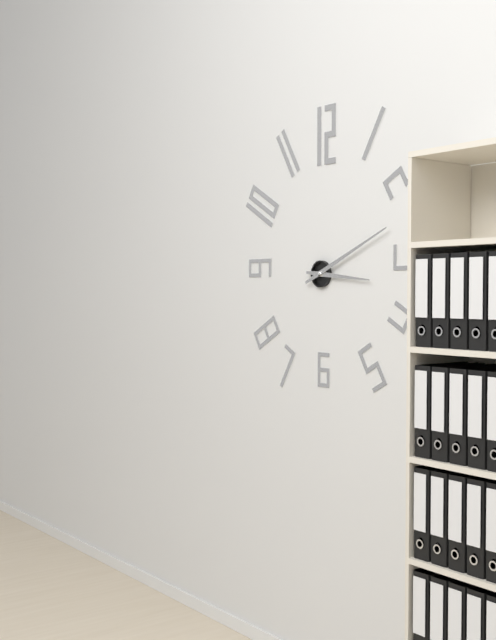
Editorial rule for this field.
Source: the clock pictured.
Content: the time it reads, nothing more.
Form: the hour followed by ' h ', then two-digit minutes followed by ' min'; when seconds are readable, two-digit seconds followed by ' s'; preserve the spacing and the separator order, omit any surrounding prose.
3 h 11 min
